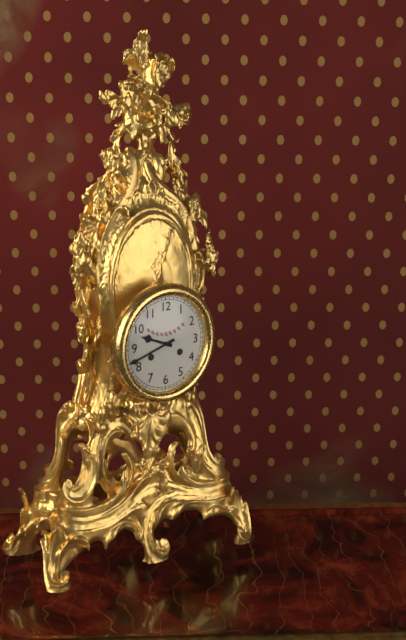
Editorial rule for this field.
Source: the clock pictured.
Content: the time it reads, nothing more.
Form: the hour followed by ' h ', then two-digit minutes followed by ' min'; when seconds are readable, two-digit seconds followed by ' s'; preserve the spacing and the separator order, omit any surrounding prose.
9 h 42 min
